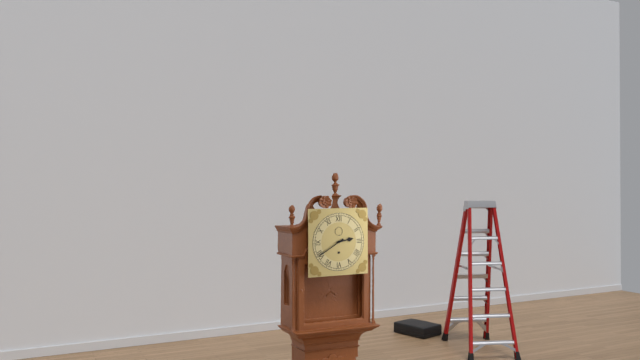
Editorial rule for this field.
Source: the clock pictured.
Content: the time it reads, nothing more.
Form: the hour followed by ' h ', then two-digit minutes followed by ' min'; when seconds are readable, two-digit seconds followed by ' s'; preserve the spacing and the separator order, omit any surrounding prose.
2 h 40 min
